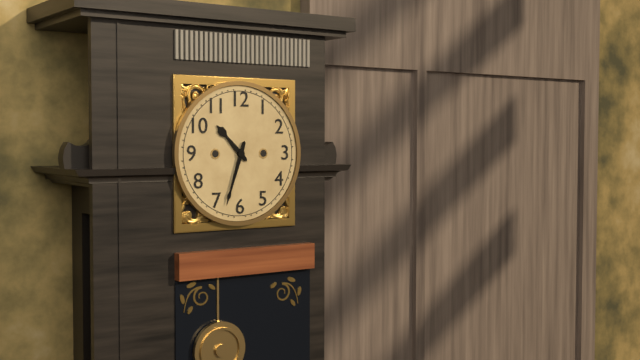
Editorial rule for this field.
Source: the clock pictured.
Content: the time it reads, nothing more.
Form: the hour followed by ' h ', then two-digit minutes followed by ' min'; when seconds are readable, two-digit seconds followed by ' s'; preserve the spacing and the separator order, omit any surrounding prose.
10 h 33 min
